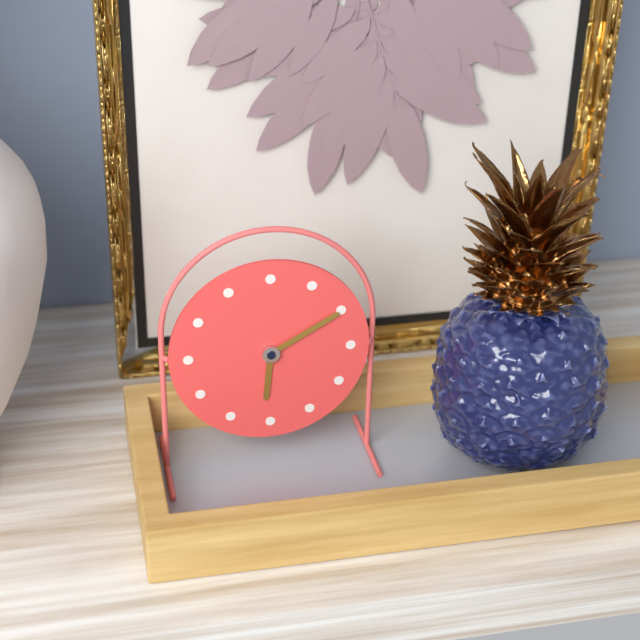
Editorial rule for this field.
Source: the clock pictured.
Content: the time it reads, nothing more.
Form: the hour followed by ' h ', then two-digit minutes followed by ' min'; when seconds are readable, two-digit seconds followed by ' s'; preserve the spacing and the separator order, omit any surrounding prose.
6 h 10 min
